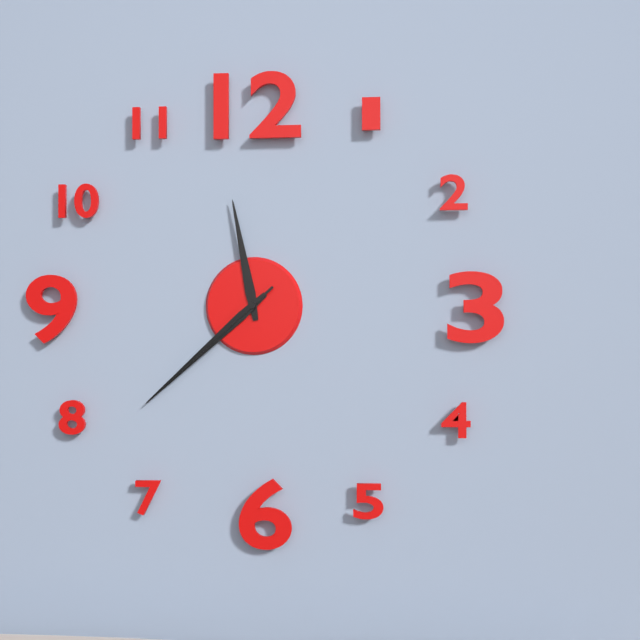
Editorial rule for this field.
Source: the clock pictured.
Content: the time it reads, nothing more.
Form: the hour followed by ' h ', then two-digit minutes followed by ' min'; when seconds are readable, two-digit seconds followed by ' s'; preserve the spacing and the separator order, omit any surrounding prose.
11 h 38 min 38 s
